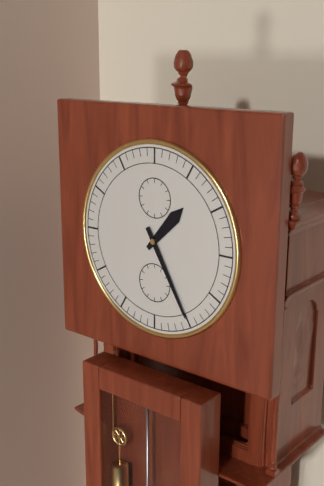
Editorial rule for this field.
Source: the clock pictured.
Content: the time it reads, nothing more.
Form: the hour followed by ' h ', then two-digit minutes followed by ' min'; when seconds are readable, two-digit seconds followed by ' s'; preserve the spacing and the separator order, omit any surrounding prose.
1 h 25 min
